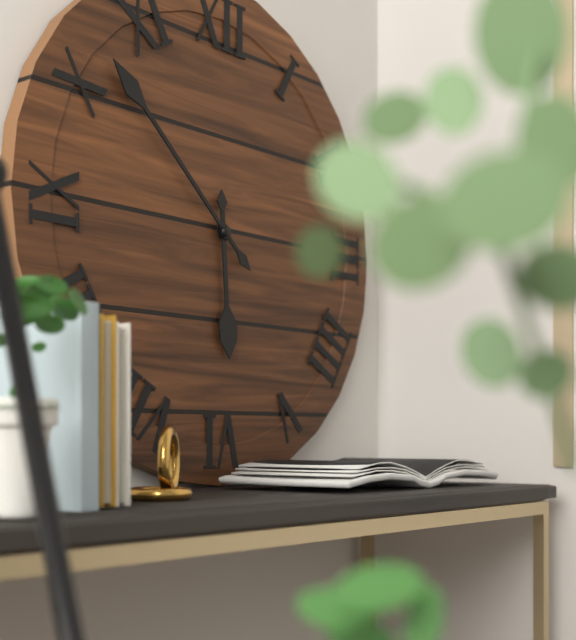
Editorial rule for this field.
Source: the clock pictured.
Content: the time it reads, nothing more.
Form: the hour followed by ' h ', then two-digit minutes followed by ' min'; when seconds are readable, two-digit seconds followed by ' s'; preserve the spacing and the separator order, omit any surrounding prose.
5 h 52 min
